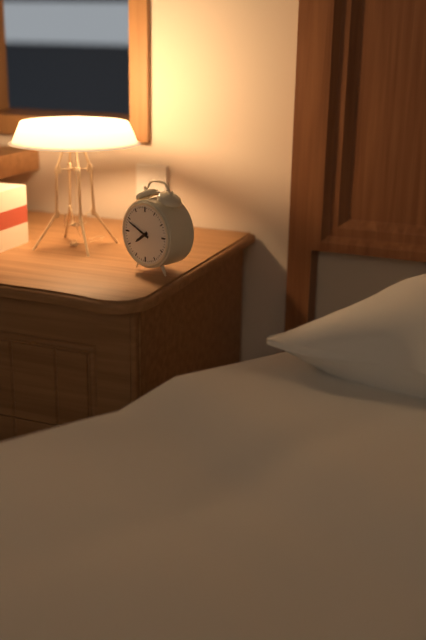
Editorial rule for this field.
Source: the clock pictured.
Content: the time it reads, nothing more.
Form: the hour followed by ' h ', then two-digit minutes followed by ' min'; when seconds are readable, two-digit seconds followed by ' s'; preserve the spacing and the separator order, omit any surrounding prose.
7 h 49 min
